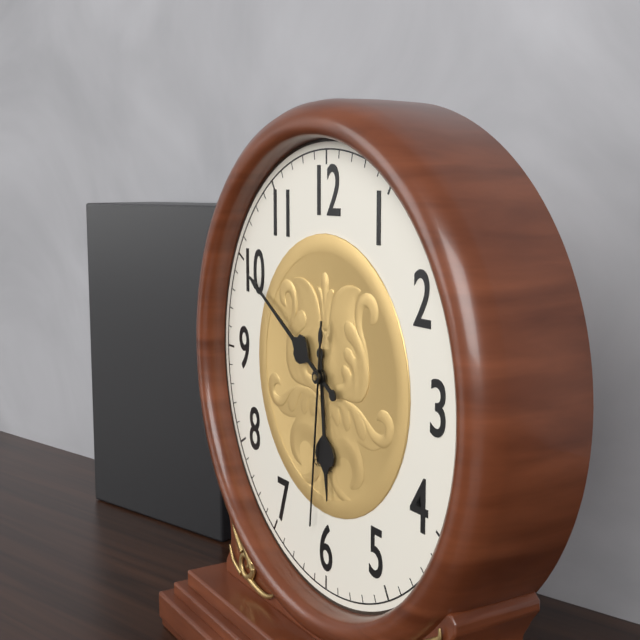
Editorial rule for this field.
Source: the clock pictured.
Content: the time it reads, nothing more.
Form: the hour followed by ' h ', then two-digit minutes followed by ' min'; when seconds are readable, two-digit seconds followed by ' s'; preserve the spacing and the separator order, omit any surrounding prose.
5 h 50 min 31 s
